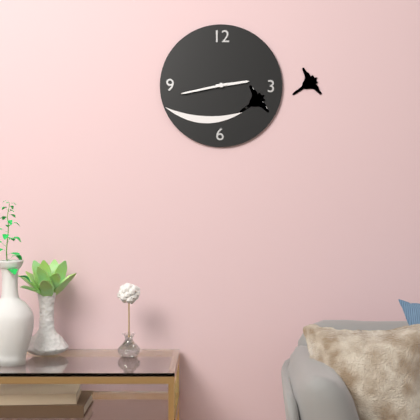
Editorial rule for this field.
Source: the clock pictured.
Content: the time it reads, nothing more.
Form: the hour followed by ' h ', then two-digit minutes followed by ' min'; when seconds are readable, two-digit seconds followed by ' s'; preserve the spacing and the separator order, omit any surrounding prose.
2 h 43 min
